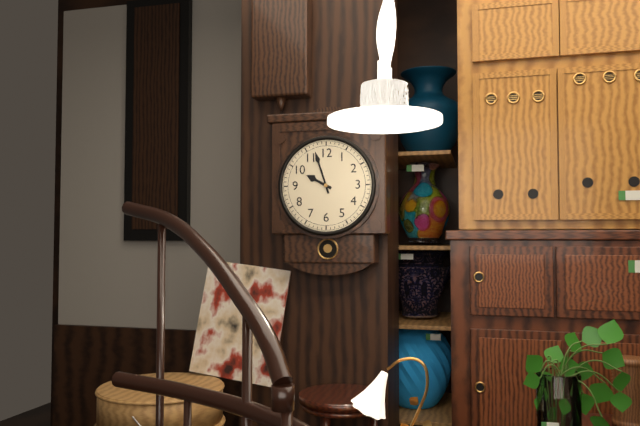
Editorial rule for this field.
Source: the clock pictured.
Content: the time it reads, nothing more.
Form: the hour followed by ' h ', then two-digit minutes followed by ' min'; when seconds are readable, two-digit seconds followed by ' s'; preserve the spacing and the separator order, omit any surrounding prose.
9 h 57 min
